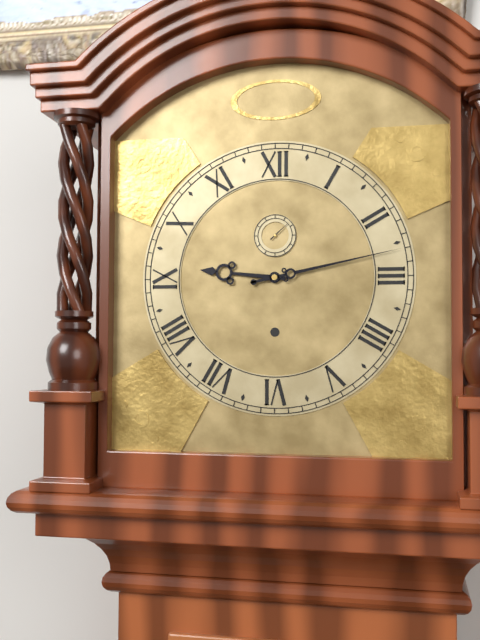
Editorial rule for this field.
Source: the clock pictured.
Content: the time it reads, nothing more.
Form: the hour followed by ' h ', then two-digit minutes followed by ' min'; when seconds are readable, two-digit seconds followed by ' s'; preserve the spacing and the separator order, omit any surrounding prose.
9 h 13 min
